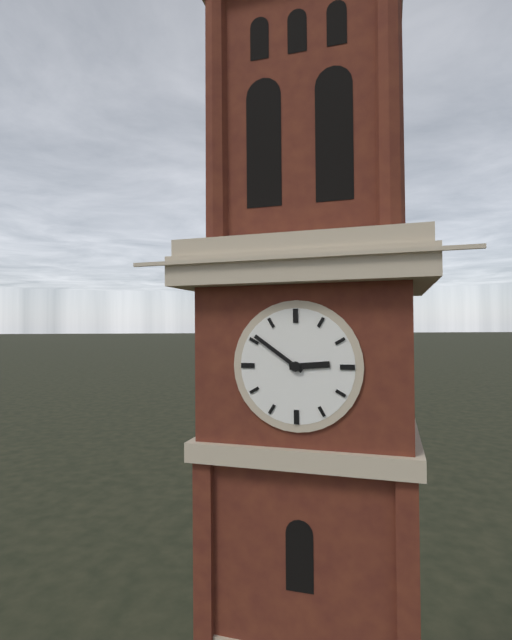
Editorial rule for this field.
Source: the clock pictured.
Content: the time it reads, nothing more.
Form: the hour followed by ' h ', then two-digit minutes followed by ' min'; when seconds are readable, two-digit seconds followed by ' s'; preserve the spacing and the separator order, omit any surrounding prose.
2 h 51 min
